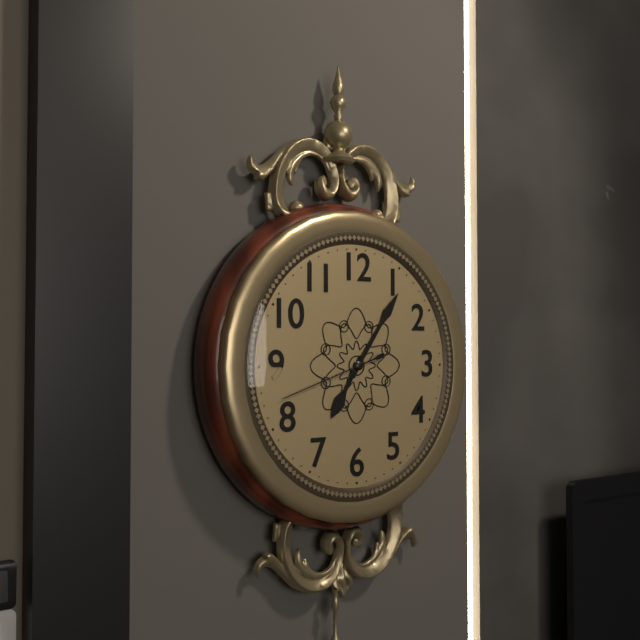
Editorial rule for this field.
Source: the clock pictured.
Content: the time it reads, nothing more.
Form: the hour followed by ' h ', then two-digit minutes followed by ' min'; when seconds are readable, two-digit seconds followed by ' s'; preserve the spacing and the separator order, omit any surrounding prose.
7 h 06 min 42 s
